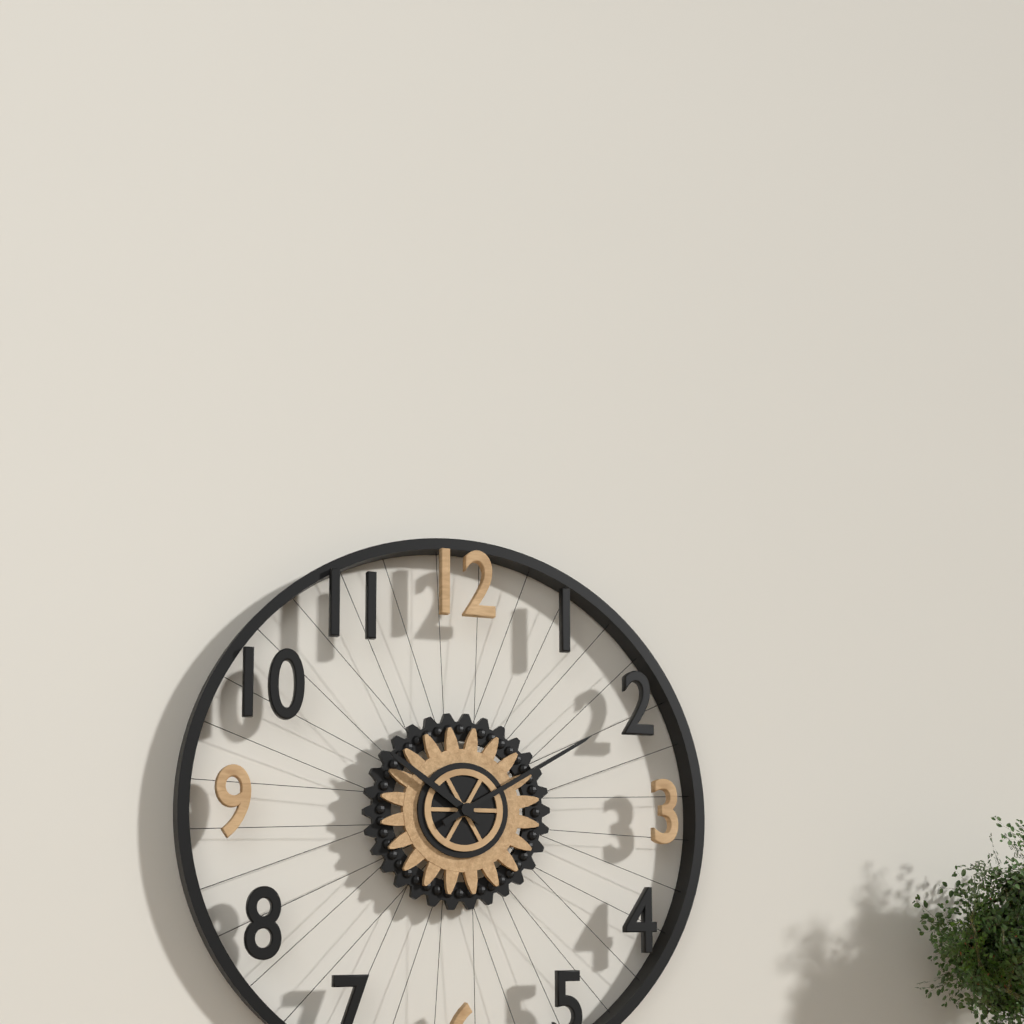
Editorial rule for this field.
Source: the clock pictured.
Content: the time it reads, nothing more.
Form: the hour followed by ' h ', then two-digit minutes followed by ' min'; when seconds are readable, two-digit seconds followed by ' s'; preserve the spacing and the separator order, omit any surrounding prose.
10 h 10 min
